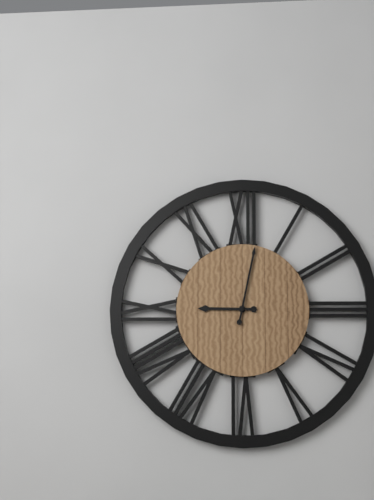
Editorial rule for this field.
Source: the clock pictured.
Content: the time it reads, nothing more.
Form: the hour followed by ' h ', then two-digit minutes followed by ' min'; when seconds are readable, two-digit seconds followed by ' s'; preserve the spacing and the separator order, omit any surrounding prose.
9 h 02 min
